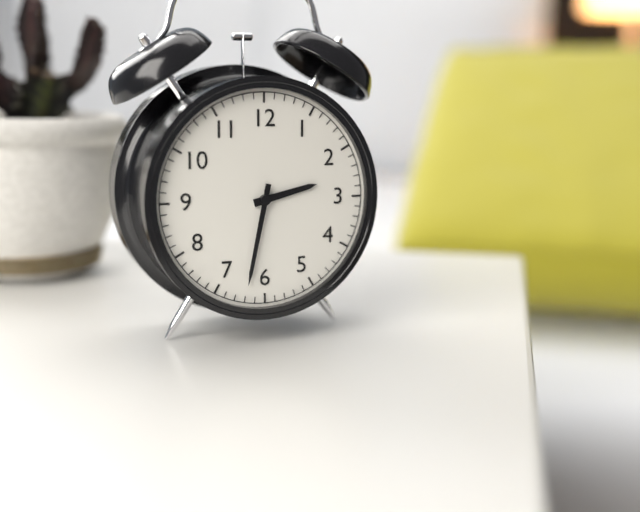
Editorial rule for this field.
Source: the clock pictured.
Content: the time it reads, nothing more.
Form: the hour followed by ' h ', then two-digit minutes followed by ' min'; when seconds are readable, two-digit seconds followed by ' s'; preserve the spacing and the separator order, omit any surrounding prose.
2 h 32 min
